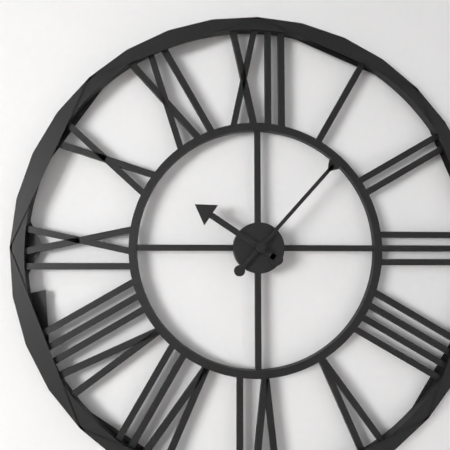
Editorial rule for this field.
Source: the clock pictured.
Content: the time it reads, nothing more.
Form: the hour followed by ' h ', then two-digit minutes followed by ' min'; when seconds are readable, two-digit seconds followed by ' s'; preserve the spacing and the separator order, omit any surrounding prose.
10 h 07 min
